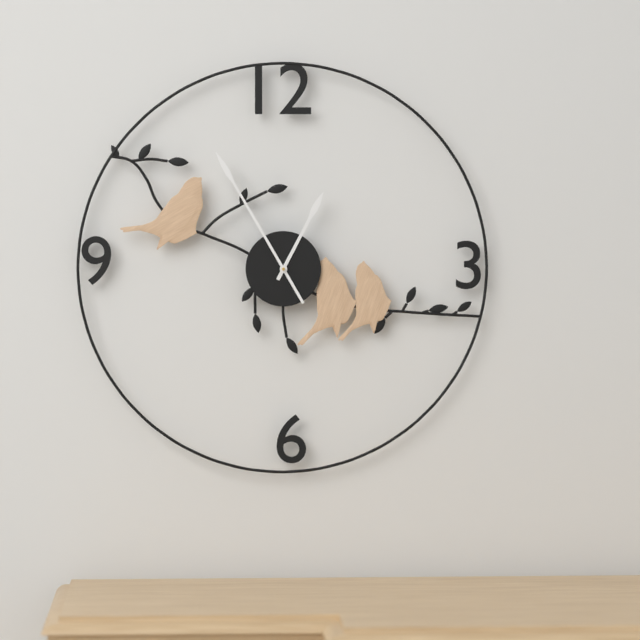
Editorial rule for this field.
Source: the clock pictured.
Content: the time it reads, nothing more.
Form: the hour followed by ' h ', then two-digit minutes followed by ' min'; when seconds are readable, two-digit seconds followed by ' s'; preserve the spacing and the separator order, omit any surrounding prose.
12 h 55 min
